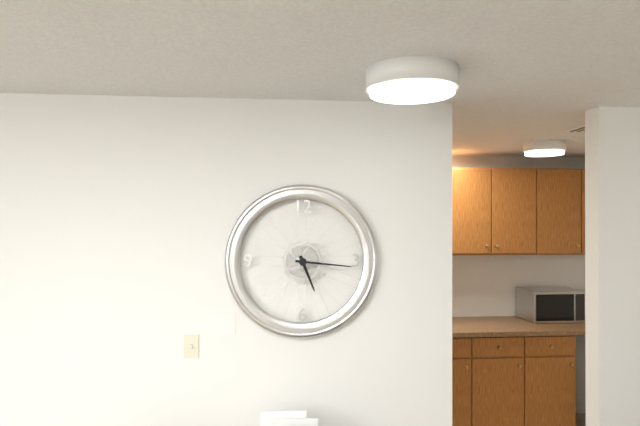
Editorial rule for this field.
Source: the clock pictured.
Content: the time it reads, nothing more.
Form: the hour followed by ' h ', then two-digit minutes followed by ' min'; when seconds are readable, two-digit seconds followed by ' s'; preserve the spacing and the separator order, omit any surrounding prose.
5 h 16 min
